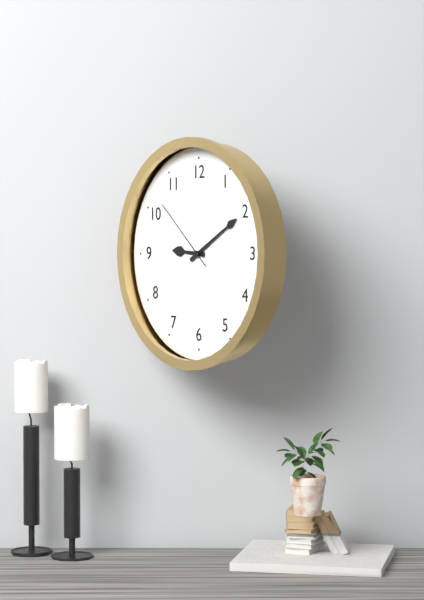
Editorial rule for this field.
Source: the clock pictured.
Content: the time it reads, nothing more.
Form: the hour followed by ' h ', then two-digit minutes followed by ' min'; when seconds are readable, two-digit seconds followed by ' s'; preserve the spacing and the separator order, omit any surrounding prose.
9 h 10 min 52 s
